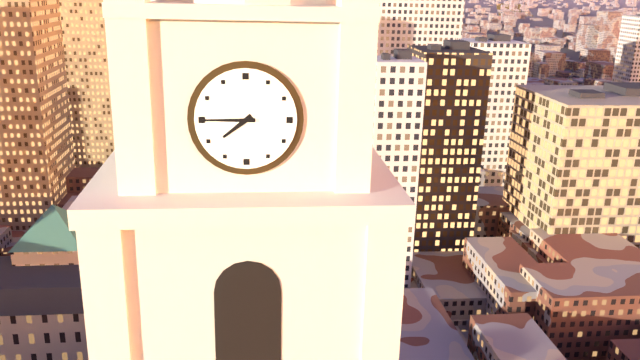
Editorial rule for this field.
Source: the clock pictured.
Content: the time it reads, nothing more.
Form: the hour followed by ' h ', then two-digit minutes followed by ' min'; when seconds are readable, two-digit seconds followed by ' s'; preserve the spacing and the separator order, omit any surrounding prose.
7 h 45 min
